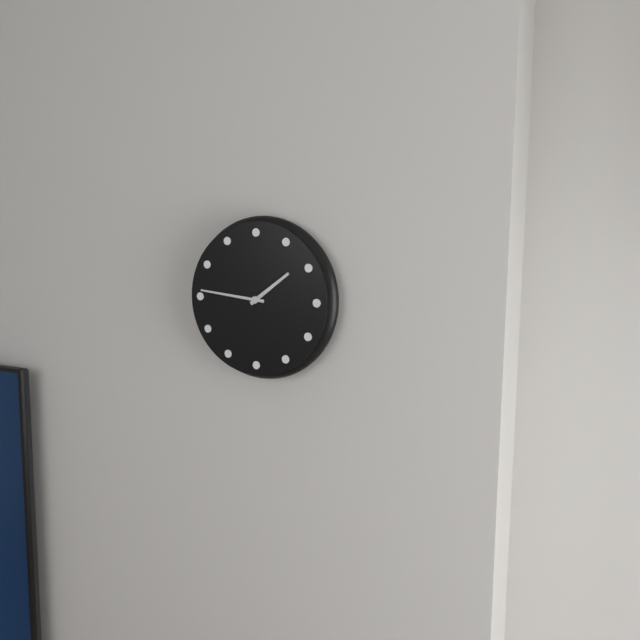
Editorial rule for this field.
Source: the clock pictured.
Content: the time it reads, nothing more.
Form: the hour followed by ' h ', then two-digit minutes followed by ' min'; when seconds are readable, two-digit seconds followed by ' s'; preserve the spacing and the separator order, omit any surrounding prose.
1 h 46 min
